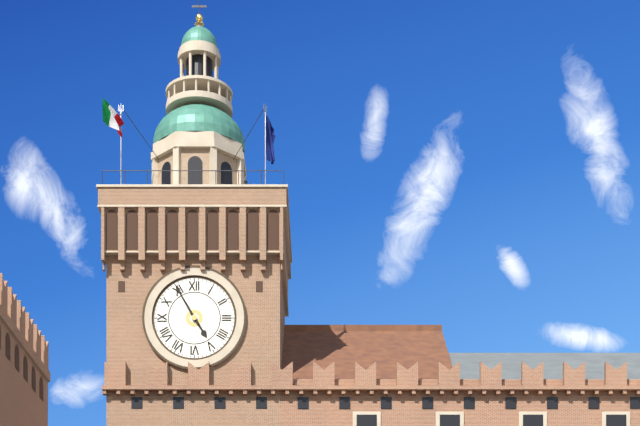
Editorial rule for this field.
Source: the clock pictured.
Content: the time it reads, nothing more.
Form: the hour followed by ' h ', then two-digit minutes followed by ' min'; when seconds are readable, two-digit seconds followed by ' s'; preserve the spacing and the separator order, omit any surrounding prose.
4 h 55 min
